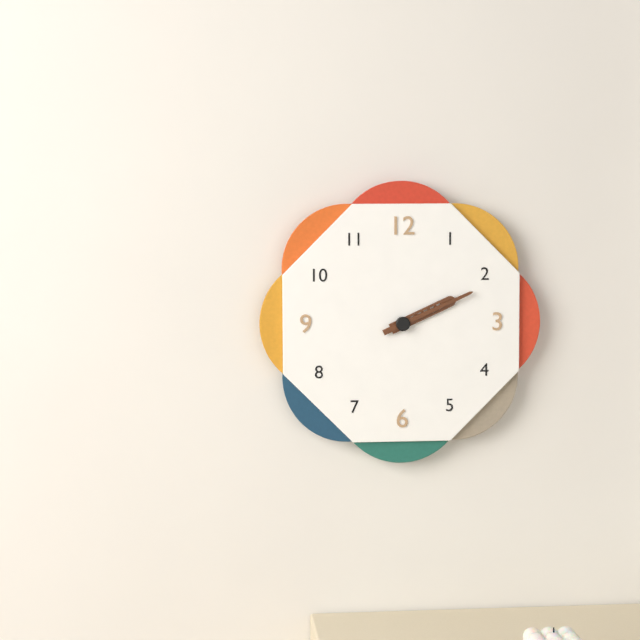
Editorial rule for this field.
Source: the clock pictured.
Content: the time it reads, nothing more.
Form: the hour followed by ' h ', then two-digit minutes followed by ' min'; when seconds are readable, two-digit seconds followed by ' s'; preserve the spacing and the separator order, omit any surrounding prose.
2 h 11 min
